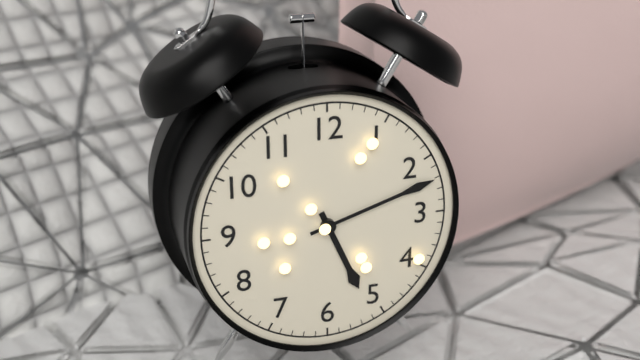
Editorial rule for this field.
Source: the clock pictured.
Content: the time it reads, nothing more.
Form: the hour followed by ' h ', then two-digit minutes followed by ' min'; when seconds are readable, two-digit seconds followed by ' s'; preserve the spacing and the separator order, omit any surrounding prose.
5 h 12 min
